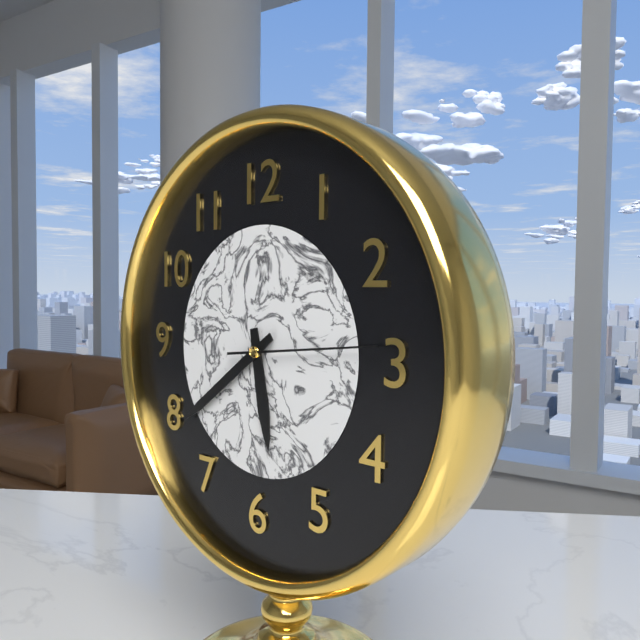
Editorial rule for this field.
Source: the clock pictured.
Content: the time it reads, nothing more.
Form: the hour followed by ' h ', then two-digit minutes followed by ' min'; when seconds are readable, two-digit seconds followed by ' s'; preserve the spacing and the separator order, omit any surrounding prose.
5 h 39 min 14 s
